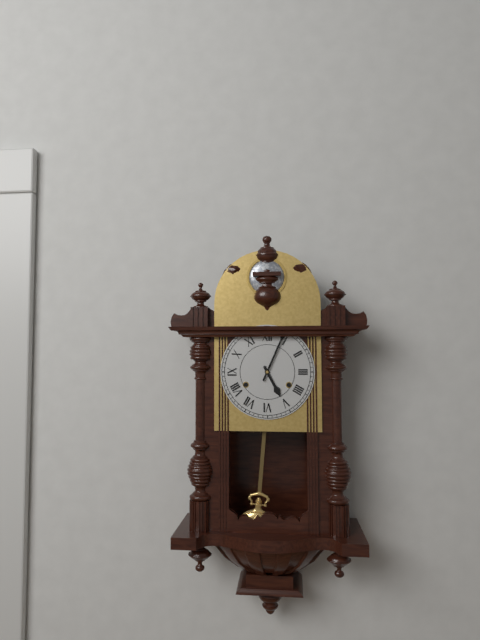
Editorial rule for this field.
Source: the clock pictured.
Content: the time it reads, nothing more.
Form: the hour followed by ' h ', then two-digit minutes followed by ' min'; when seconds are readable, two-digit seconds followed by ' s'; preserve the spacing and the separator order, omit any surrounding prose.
5 h 04 min
